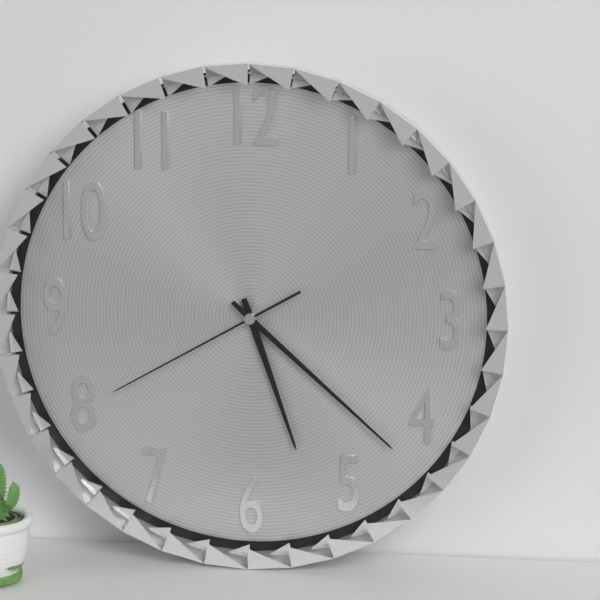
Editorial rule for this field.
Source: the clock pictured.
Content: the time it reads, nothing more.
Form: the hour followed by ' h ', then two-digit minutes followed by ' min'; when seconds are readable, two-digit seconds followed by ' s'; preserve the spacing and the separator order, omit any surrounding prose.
5 h 22 min 40 s
